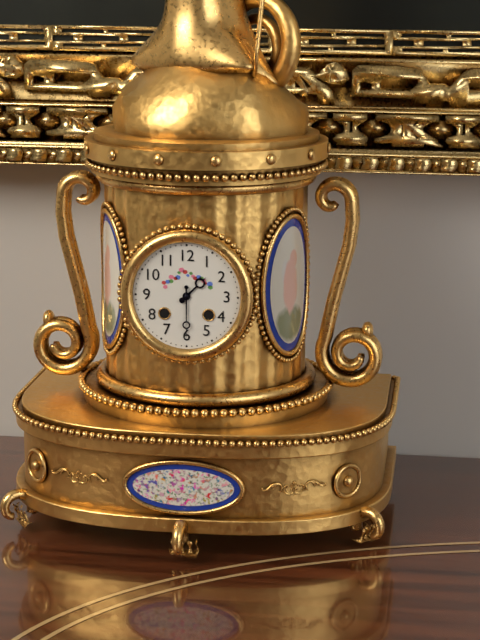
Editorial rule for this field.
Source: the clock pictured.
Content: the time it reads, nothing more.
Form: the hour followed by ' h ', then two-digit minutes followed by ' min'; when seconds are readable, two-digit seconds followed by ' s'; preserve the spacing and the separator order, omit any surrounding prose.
1 h 30 min
